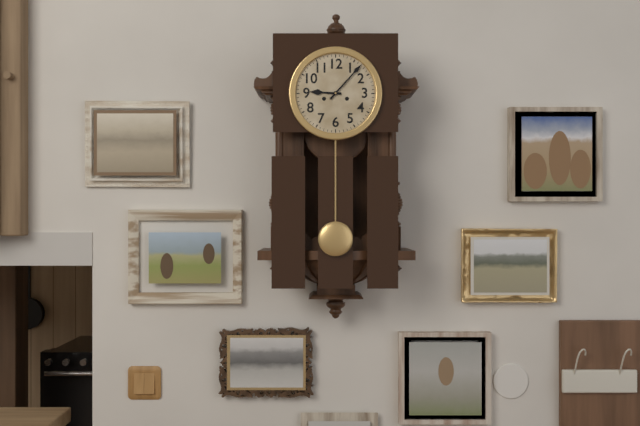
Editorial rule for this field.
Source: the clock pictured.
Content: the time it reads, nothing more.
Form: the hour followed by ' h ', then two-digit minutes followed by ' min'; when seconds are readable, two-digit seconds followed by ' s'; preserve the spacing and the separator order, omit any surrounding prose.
9 h 07 min
